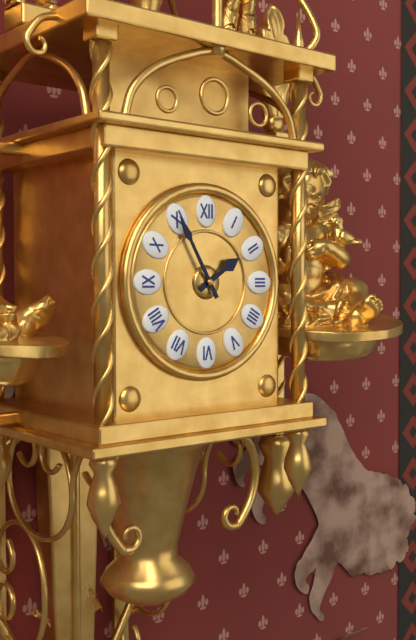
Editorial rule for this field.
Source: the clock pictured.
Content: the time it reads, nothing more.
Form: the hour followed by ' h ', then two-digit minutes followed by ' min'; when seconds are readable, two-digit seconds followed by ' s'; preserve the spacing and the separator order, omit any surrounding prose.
1 h 55 min
